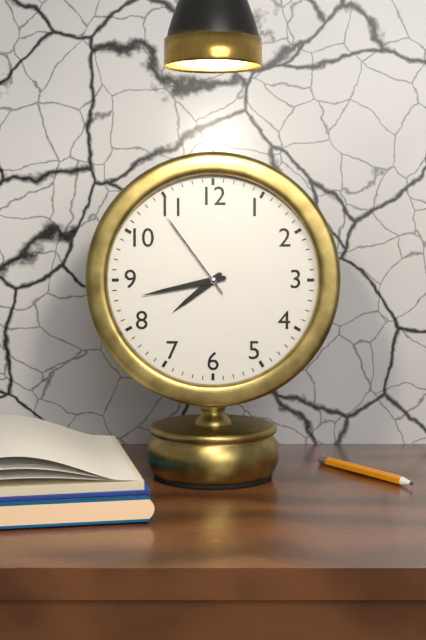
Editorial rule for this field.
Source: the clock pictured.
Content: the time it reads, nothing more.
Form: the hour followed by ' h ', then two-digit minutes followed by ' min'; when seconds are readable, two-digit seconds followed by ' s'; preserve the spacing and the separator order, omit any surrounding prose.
7 h 43 min 54 s
